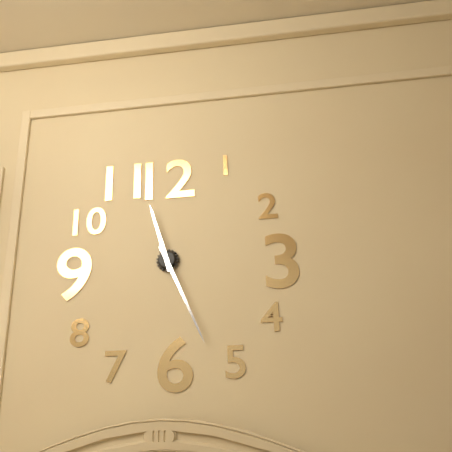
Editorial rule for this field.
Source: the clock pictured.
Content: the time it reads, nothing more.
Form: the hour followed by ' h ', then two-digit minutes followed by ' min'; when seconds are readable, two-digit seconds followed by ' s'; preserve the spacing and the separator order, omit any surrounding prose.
11 h 26 min
